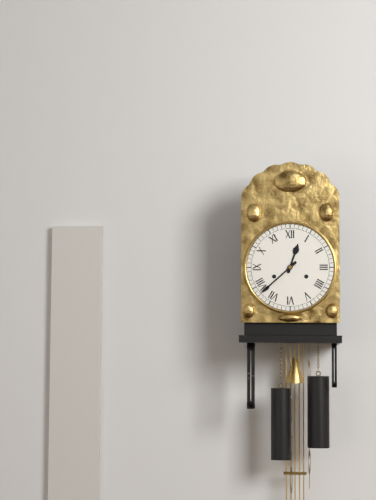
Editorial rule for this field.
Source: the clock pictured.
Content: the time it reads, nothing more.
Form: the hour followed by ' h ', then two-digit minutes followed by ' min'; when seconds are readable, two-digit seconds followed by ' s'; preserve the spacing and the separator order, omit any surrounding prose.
12 h 38 min
